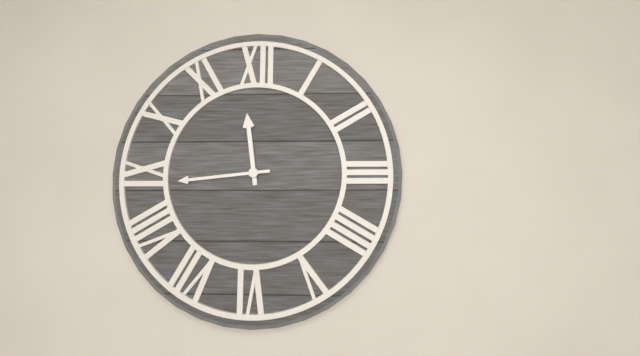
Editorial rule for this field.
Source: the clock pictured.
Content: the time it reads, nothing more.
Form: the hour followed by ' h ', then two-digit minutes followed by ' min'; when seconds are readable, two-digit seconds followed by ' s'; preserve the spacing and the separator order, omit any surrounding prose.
11 h 44 min
